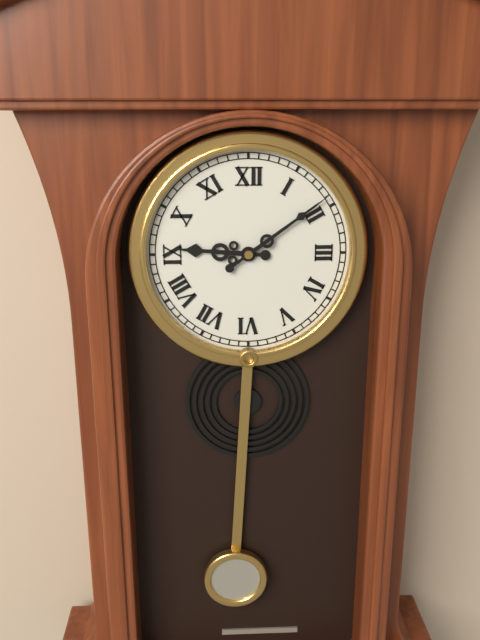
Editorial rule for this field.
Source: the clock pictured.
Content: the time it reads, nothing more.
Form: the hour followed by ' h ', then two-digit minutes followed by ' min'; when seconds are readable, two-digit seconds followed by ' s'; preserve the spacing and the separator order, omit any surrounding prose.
9 h 09 min
